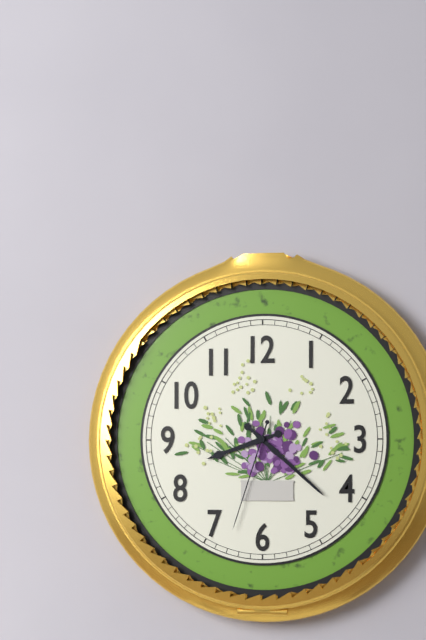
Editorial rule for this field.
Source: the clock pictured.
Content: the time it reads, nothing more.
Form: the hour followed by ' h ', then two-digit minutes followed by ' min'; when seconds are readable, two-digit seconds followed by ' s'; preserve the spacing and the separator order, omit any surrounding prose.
8 h 22 min 33 s
